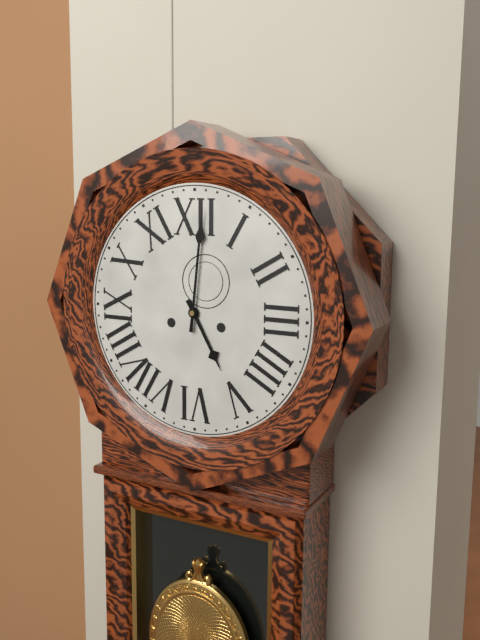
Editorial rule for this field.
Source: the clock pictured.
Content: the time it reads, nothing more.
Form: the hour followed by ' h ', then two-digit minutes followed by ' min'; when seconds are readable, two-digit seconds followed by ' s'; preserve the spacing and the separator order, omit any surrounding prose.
5 h 01 min
